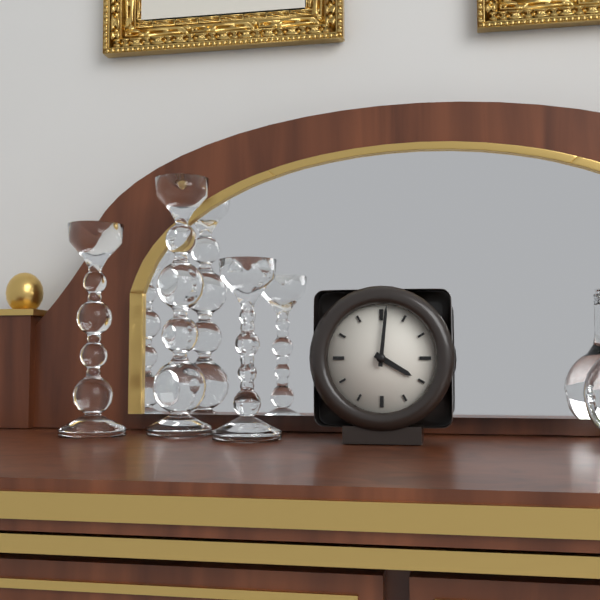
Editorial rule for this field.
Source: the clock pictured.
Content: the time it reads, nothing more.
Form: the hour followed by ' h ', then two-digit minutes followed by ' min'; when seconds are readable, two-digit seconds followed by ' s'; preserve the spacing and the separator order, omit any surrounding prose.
4 h 01 min
